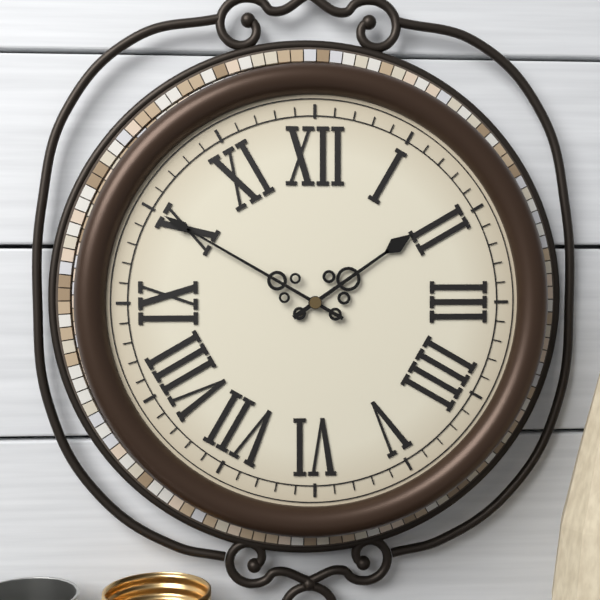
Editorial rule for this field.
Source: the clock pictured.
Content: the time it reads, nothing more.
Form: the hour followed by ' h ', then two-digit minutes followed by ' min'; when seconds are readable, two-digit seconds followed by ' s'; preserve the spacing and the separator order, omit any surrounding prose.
1 h 50 min
